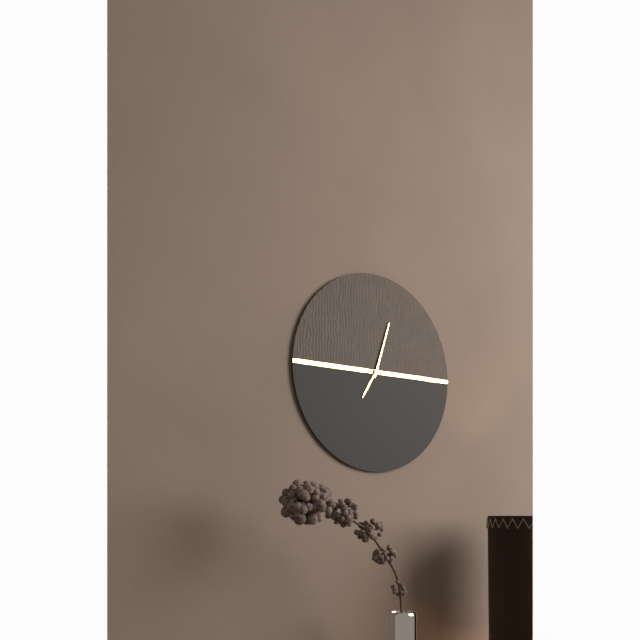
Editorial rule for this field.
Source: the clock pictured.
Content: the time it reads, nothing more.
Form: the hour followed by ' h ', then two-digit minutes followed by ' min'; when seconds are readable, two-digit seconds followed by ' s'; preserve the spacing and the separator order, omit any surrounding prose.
7 h 03 min
